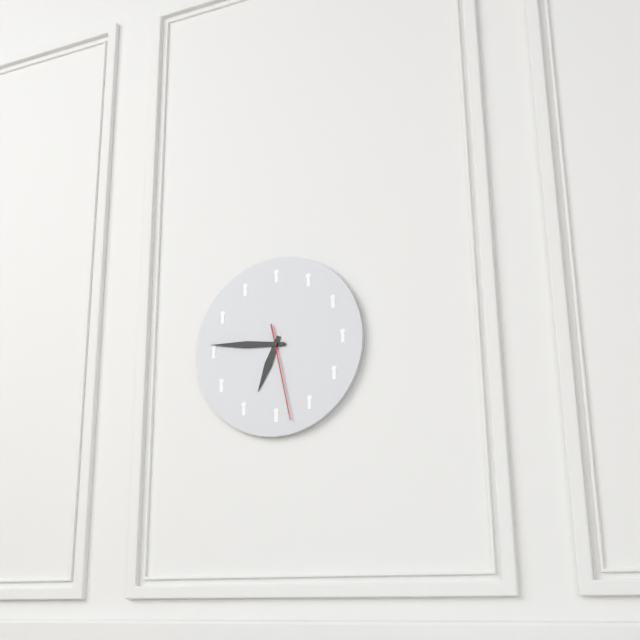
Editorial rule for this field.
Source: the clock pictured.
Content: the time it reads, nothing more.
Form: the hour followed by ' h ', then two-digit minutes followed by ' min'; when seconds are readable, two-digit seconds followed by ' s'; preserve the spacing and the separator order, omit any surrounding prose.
6 h 46 min 28 s
